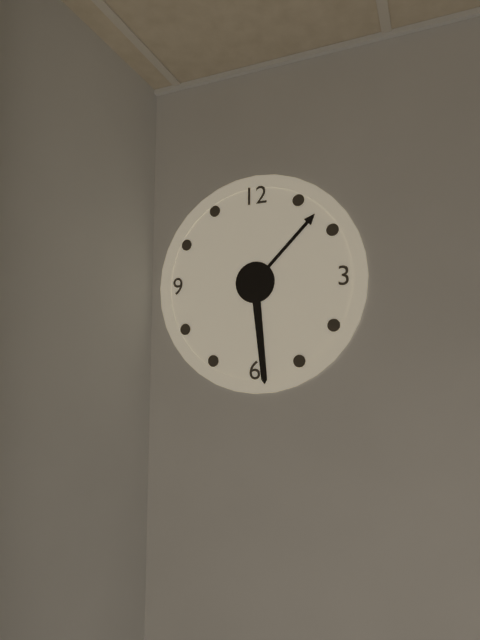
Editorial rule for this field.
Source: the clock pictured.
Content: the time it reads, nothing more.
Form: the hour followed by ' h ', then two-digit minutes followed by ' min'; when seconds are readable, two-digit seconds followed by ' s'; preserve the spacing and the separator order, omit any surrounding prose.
1 h 29 min
